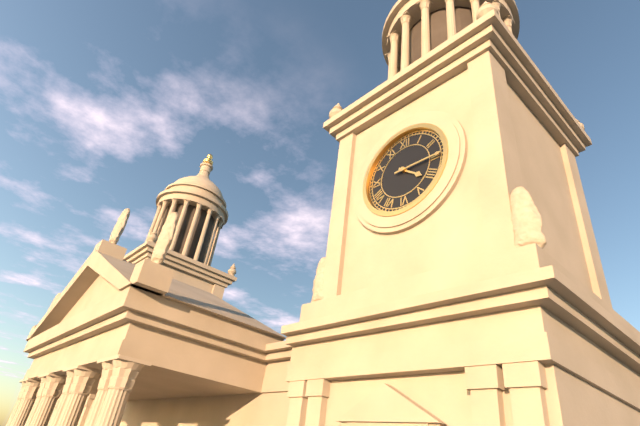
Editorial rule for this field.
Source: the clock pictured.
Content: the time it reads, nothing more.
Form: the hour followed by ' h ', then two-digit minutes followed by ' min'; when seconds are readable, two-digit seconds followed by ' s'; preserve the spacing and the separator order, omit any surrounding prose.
4 h 15 min
